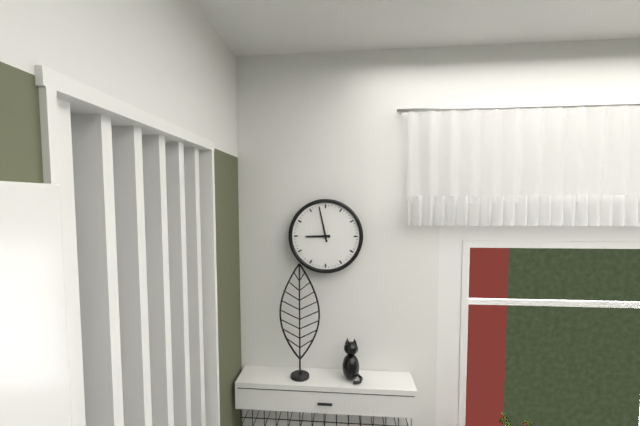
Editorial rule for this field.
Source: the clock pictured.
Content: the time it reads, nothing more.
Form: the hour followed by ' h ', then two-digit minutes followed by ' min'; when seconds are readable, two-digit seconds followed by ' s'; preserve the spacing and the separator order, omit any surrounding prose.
8 h 58 min
